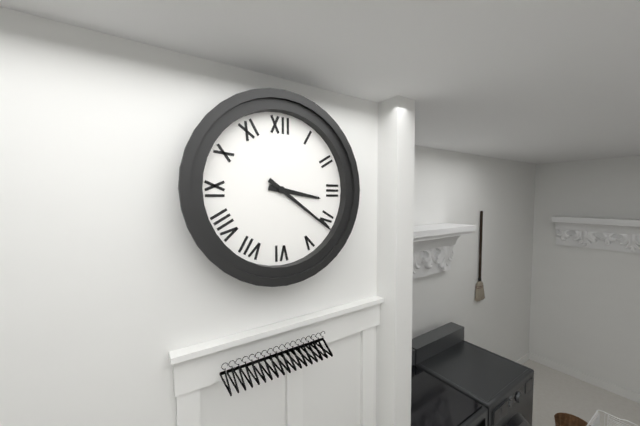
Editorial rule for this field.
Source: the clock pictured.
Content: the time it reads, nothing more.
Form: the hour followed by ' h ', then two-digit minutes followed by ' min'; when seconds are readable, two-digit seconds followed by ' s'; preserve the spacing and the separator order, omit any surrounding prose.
3 h 21 min
